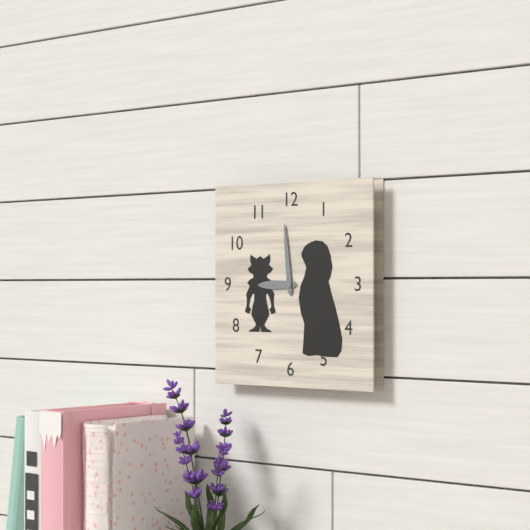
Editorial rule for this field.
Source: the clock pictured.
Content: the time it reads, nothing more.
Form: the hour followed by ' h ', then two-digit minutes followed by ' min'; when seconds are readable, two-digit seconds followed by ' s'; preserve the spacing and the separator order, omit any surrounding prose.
8 h 59 min
